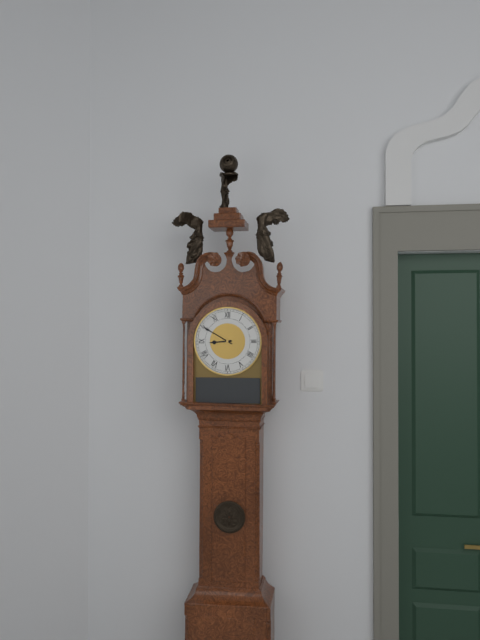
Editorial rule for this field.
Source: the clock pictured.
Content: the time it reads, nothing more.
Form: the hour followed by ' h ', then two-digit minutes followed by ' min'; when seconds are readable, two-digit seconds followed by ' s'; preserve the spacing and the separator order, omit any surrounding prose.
8 h 50 min
